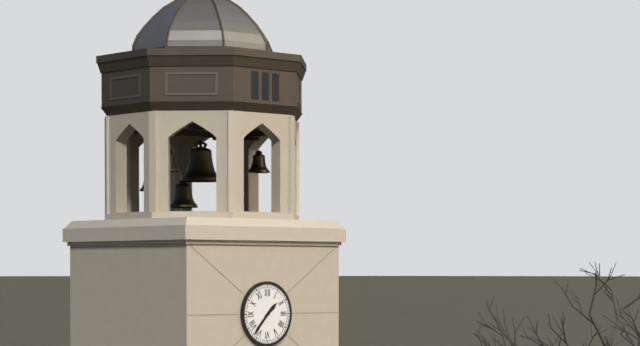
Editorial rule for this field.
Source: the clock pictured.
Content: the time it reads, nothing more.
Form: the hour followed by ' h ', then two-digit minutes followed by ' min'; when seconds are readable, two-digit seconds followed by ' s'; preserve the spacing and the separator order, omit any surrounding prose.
1 h 37 min
